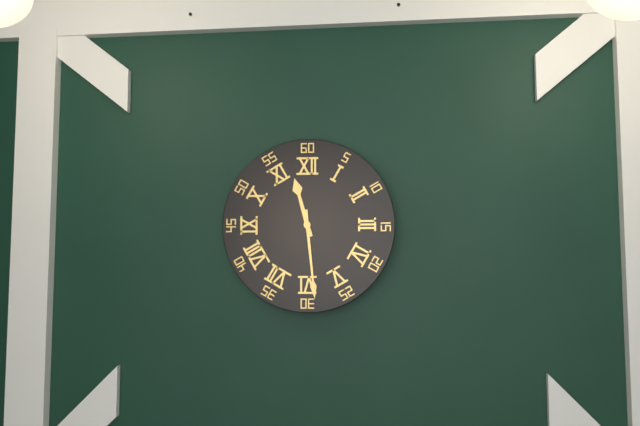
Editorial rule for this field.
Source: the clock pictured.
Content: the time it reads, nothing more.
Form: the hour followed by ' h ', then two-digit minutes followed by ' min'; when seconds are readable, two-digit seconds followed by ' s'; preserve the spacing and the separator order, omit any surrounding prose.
11 h 29 min
